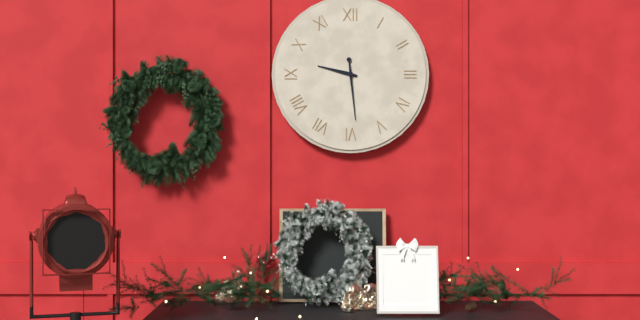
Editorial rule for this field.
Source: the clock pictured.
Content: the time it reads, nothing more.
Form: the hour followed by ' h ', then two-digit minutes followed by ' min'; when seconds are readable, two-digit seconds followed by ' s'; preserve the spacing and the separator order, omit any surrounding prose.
9 h 29 min
